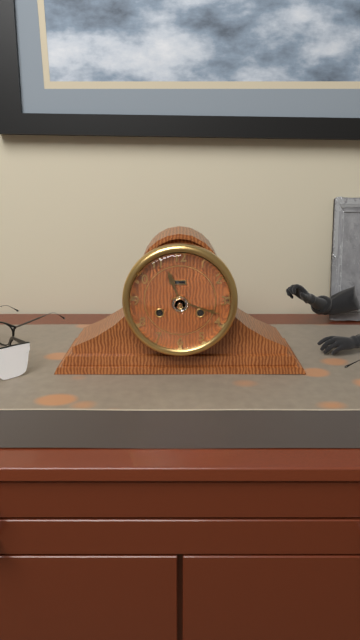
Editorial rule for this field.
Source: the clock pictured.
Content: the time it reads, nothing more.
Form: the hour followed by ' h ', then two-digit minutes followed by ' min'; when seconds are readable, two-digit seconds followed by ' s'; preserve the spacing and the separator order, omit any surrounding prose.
11 h 18 min
